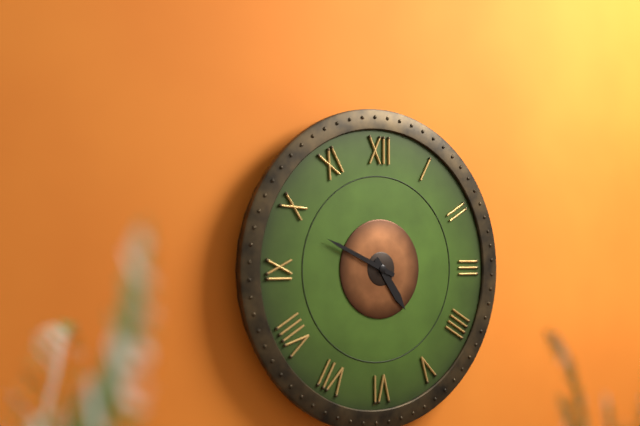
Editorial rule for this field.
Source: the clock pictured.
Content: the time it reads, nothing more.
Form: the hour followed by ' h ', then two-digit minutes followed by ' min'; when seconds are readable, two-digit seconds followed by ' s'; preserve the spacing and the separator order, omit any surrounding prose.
4 h 49 min
